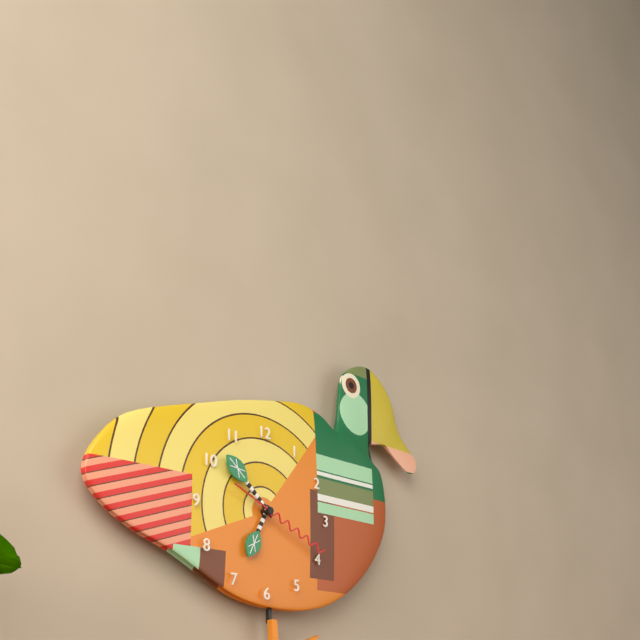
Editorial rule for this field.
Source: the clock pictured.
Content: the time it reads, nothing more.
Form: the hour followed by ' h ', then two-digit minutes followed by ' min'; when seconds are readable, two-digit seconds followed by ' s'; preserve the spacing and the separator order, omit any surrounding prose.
6 h 52 min 19 s
